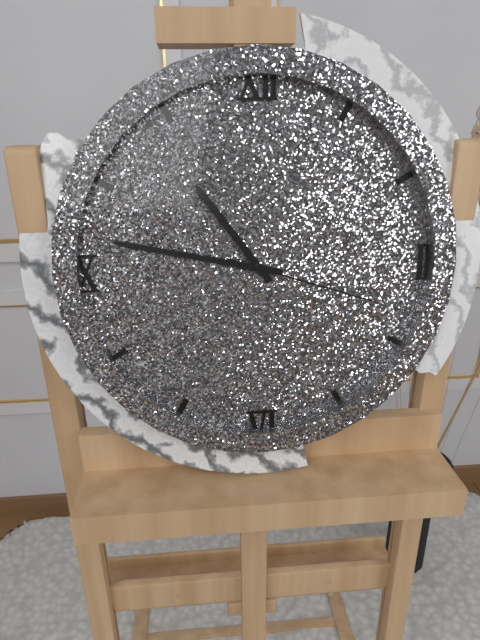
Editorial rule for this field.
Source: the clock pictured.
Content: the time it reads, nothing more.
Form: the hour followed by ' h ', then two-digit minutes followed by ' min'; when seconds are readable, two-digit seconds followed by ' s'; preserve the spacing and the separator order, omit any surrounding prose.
10 h 47 min 18 s
